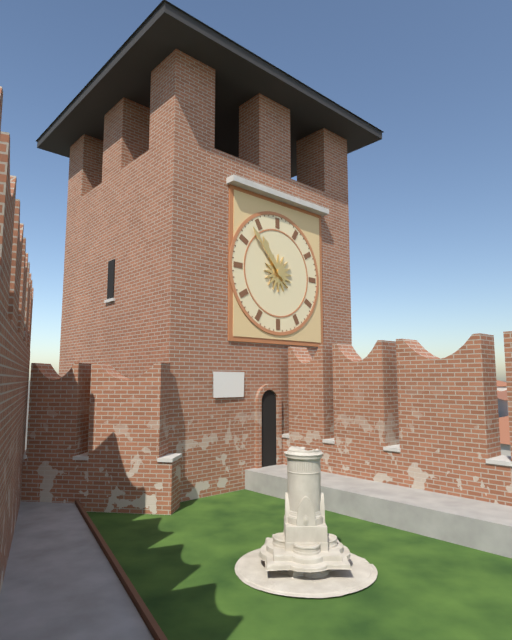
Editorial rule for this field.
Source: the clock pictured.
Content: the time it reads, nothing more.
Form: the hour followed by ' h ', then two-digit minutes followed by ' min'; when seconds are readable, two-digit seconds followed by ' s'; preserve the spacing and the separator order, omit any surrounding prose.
10 h 53 min
